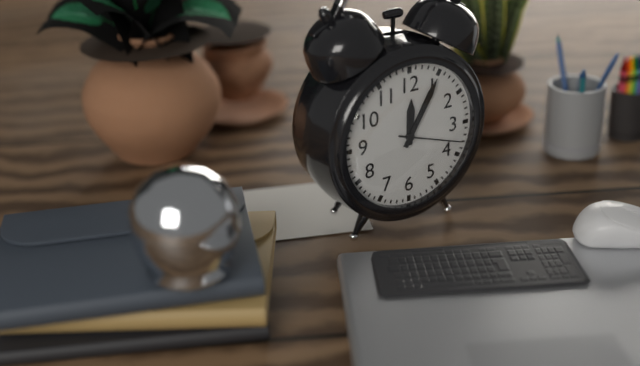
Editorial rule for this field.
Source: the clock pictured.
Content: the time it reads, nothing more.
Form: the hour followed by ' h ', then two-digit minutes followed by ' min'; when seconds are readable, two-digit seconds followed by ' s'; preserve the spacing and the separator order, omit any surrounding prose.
12 h 05 min 18 s
